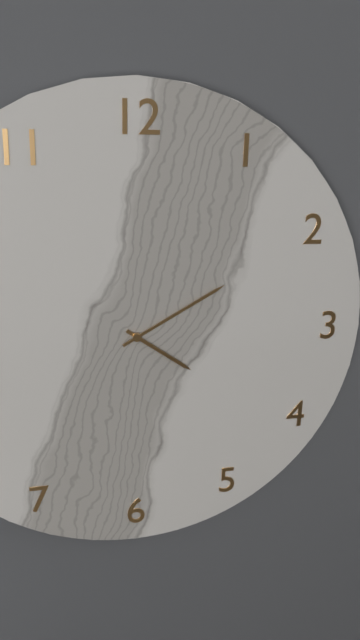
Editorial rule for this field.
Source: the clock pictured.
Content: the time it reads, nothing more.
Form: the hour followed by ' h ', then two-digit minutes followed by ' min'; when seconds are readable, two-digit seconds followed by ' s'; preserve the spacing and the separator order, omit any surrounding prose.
4 h 10 min
